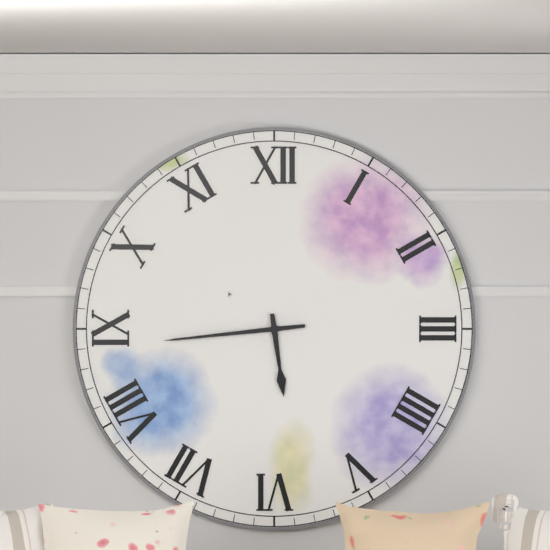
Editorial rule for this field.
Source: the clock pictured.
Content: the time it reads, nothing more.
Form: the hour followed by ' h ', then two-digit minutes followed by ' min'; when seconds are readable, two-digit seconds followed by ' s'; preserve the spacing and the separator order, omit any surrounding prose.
5 h 44 min
